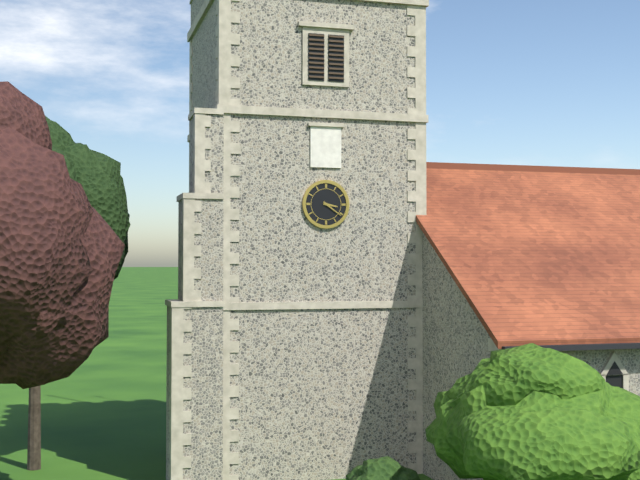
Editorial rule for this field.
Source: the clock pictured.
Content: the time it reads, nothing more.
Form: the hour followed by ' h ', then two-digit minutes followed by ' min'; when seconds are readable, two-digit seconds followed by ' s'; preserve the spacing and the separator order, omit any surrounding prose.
3 h 21 min
